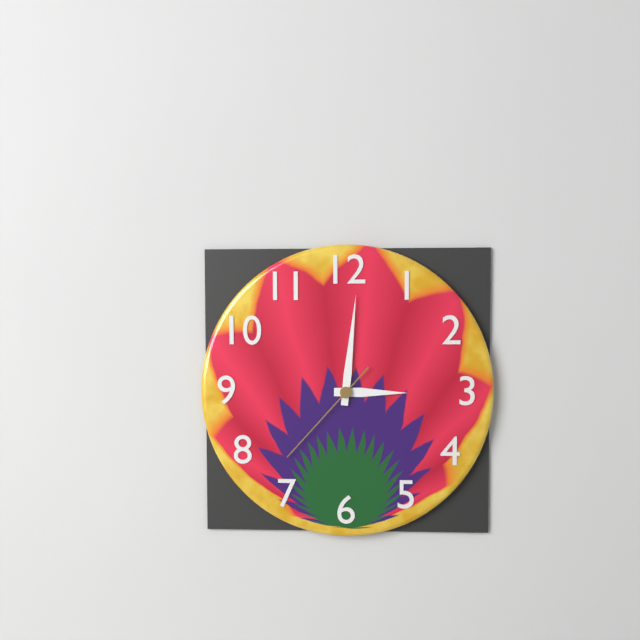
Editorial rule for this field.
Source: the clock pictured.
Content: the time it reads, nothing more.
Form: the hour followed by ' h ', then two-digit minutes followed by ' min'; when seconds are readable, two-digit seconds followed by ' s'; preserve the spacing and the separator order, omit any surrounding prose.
3 h 01 min 37 s
